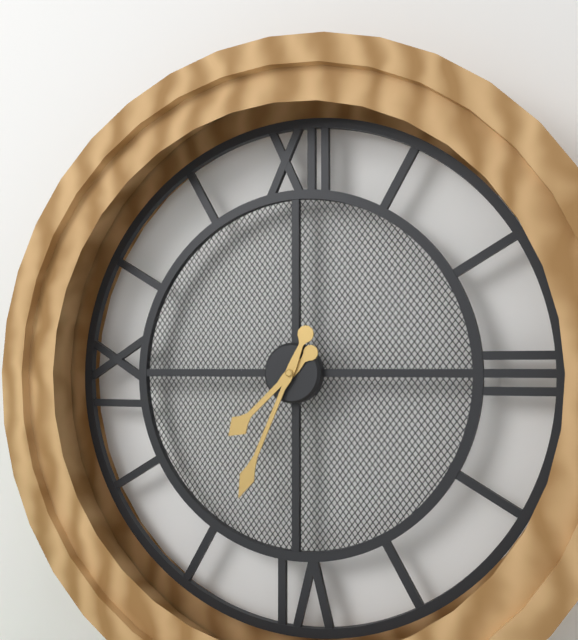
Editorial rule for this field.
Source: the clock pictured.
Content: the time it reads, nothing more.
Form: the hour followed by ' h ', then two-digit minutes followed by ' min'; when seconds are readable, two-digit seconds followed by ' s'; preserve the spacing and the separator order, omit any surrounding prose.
7 h 34 min
